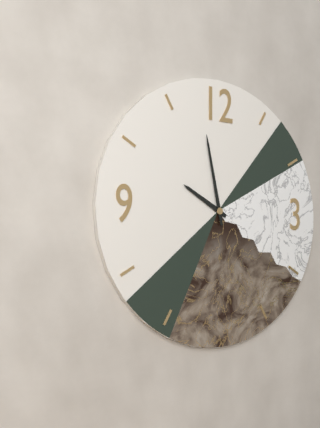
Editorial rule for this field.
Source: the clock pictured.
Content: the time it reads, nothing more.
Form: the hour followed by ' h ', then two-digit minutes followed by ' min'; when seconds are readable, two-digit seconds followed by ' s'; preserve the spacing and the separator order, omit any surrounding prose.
9 h 58 min
